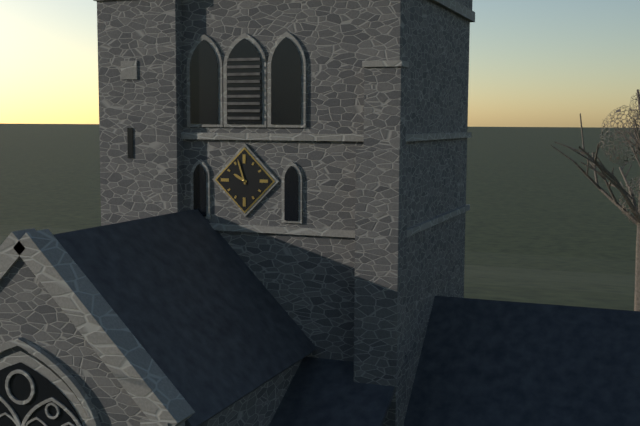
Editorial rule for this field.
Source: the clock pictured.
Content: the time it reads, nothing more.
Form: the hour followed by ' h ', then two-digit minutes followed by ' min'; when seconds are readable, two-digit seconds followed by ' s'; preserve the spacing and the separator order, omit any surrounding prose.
9 h 57 min
